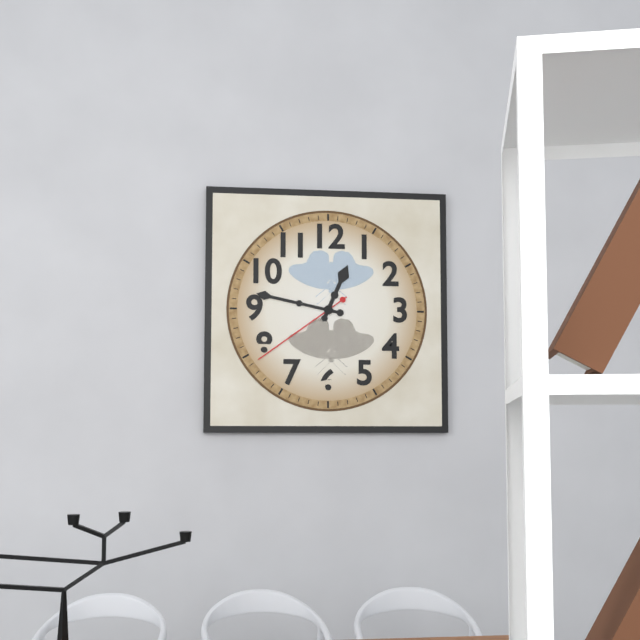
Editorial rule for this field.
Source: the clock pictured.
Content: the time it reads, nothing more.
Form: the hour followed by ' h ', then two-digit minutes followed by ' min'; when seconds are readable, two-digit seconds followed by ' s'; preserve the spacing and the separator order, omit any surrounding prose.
12 h 47 min 39 s
